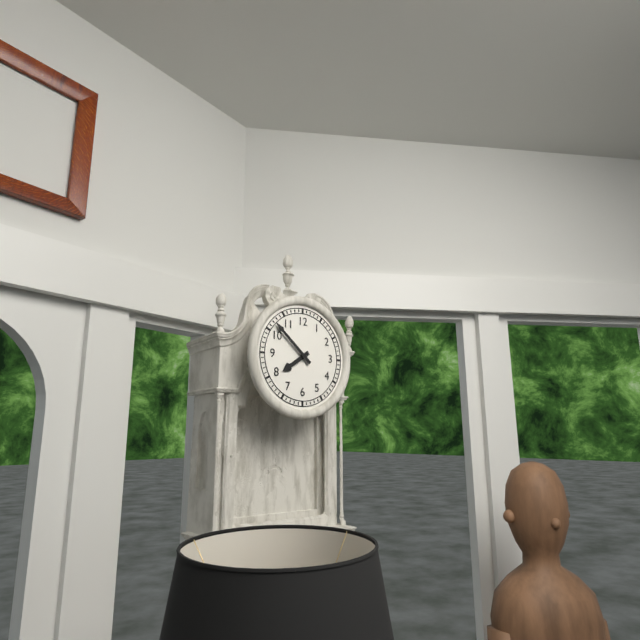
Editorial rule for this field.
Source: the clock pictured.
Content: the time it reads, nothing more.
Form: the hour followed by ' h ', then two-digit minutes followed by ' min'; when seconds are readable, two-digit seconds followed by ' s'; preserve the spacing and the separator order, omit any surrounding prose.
7 h 52 min
